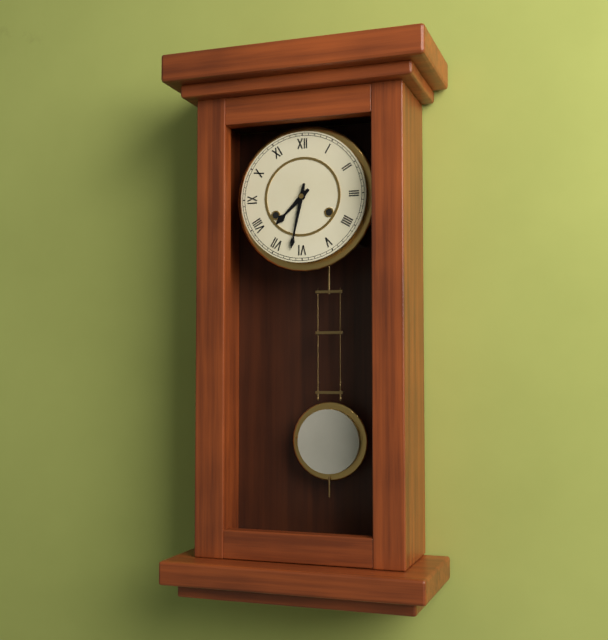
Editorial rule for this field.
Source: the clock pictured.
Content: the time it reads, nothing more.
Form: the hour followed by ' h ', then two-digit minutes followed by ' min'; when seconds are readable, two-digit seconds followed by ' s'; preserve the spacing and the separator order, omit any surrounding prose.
7 h 32 min
